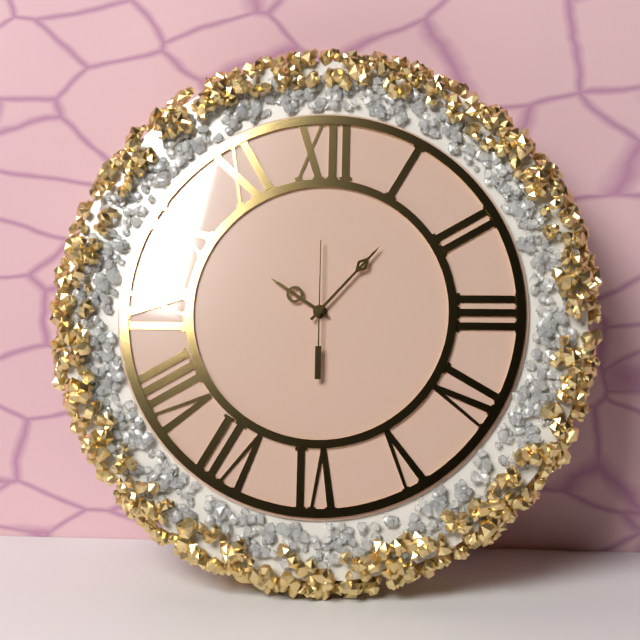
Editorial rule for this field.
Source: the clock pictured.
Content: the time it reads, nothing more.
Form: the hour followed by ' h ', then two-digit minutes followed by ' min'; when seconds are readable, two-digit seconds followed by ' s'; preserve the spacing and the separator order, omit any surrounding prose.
10 h 07 min 00 s
